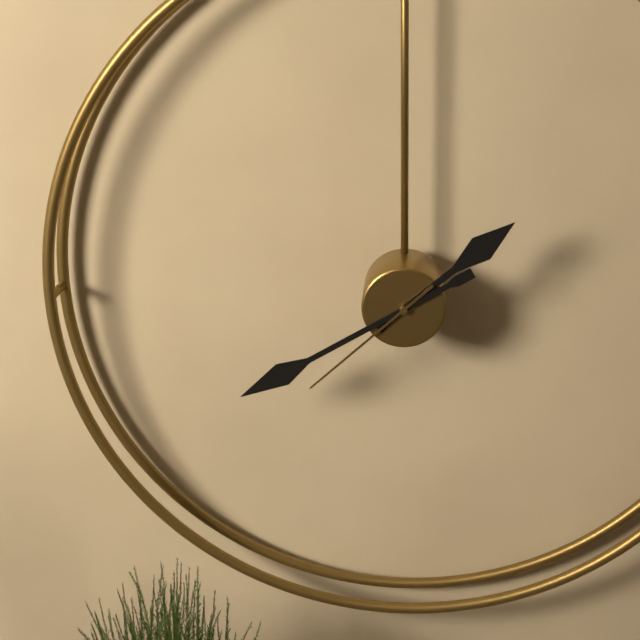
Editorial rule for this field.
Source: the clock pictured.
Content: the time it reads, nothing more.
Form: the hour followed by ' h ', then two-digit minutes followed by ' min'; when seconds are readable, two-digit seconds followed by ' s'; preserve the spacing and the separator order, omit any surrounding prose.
1 h 40 min 38 s
